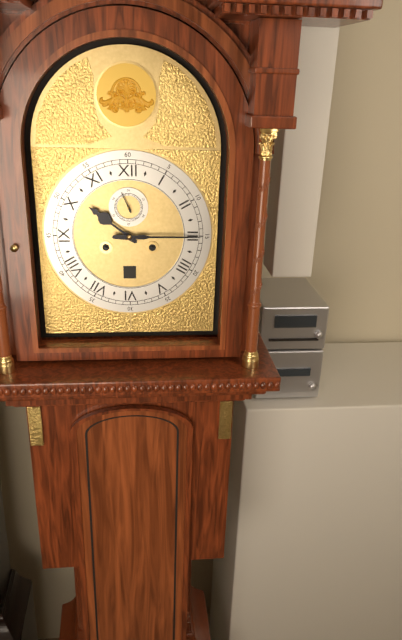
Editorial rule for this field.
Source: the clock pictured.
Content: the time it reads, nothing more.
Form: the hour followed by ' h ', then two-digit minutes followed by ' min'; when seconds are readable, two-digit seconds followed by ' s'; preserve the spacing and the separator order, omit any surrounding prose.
10 h 15 min
